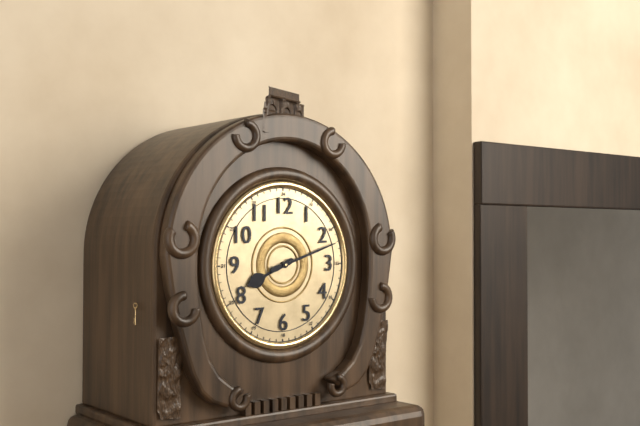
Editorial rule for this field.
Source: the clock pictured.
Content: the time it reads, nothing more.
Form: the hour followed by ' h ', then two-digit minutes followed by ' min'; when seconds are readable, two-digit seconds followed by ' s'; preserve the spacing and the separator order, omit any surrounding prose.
8 h 12 min
